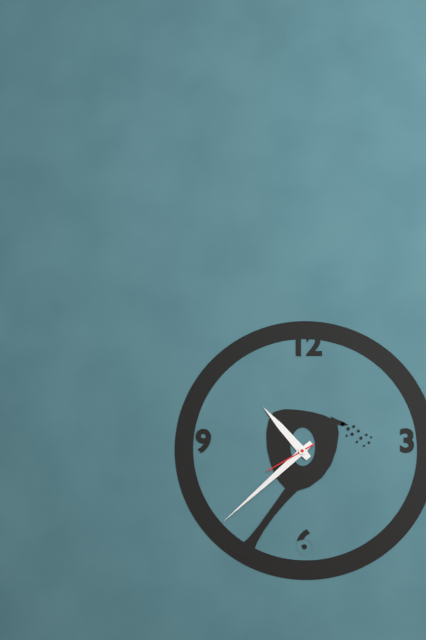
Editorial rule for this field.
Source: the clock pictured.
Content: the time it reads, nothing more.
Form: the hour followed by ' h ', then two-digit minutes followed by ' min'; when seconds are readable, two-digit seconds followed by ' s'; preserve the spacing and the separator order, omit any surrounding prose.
10 h 38 min 40 s
